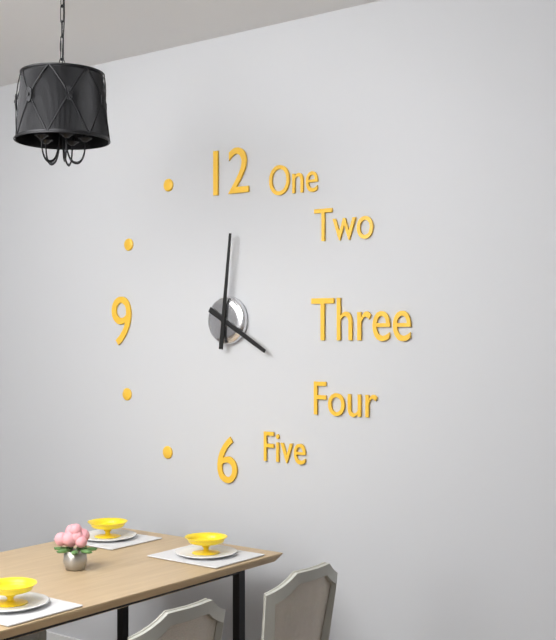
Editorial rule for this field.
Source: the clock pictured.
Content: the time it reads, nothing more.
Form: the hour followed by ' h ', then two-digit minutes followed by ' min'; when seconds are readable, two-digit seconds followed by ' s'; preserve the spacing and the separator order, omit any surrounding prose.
4 h 01 min
